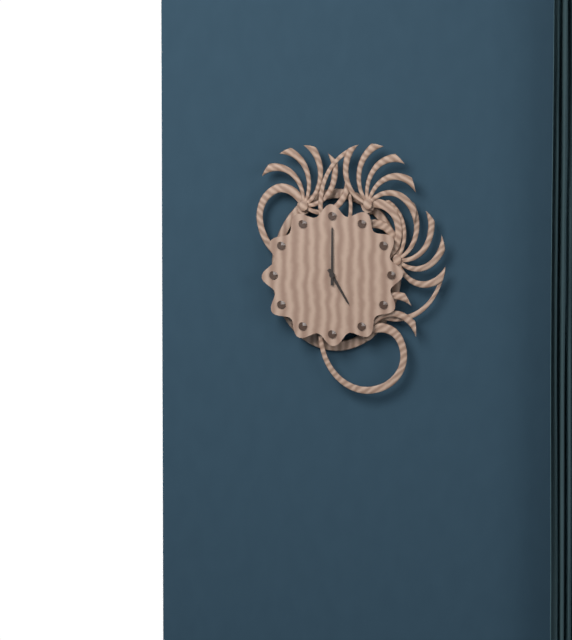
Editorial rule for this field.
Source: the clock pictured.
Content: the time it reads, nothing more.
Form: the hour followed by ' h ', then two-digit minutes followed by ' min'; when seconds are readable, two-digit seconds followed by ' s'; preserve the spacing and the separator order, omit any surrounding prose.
5 h 00 min
